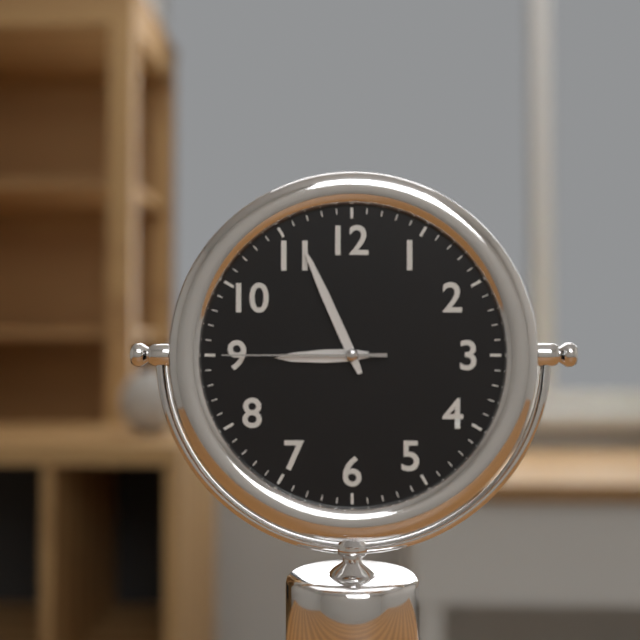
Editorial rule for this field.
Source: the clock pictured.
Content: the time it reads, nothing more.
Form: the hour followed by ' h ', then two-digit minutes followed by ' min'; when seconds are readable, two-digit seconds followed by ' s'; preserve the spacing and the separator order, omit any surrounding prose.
8 h 56 min 45 s
